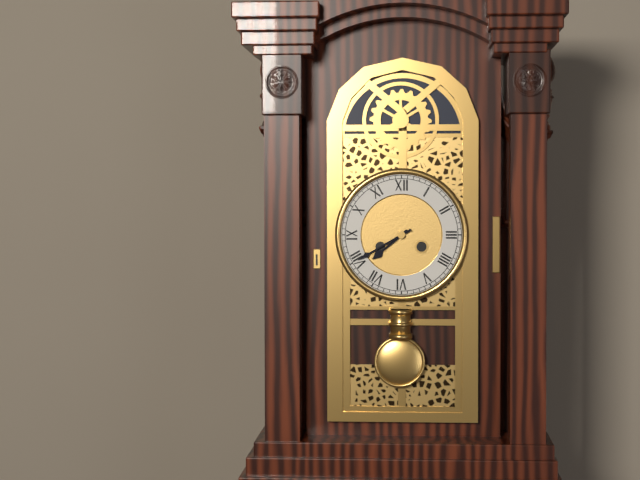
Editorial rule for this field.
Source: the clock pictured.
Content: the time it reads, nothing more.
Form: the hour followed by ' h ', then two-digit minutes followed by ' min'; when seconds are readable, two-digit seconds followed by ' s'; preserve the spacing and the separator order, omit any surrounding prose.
7 h 40 min
